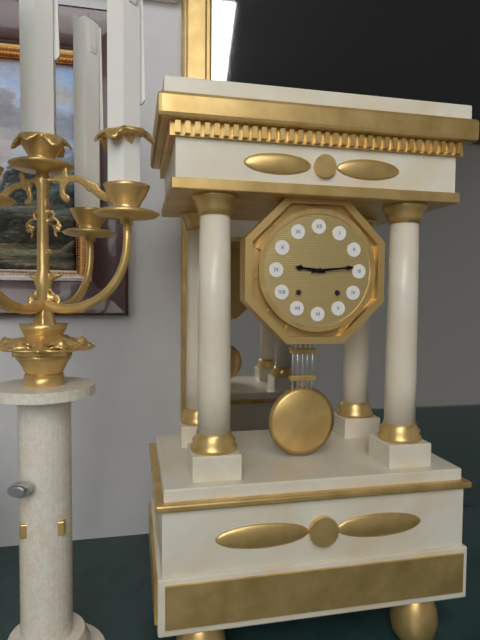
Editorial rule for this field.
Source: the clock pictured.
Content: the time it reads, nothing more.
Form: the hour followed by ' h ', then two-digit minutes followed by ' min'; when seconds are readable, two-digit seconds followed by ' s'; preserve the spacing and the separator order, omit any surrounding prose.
9 h 14 min
